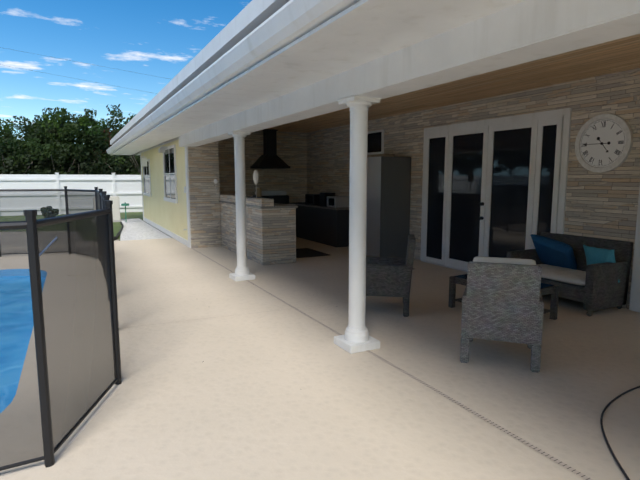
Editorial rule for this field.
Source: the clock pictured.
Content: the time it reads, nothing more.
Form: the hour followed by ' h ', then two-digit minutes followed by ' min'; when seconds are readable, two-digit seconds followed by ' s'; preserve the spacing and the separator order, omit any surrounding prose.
4 h 45 min
